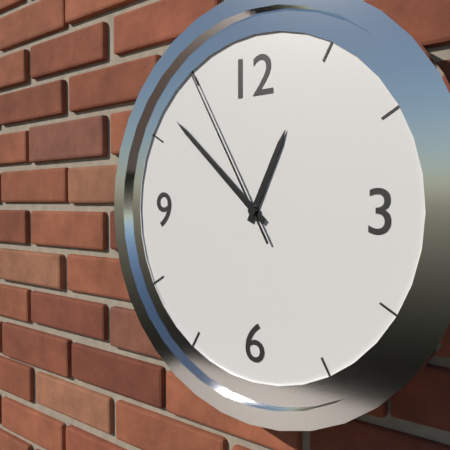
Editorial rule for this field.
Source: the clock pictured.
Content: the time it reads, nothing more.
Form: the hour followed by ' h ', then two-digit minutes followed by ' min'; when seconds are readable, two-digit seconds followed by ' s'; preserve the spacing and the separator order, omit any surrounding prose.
12 h 52 min 55 s
